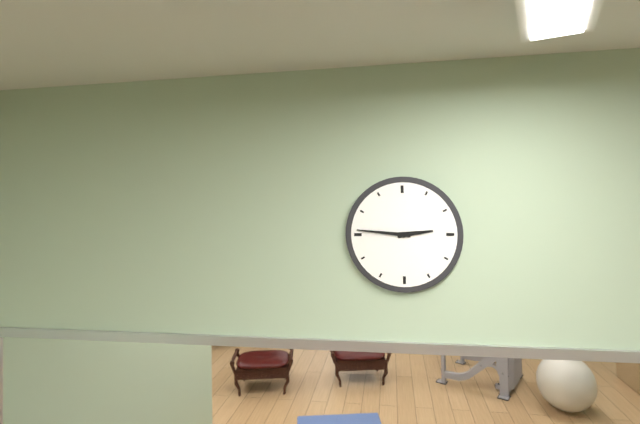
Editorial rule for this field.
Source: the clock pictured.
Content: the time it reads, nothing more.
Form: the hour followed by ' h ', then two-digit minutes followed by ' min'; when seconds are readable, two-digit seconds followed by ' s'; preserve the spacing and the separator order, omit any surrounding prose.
2 h 46 min
